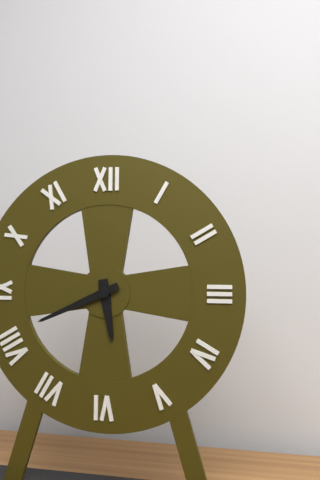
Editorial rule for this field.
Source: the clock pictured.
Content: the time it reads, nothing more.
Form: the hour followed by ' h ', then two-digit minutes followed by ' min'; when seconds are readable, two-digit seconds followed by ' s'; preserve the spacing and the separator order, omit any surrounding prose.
5 h 41 min
